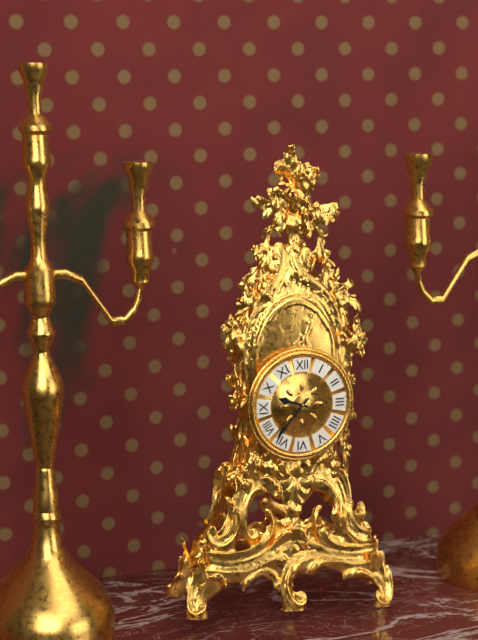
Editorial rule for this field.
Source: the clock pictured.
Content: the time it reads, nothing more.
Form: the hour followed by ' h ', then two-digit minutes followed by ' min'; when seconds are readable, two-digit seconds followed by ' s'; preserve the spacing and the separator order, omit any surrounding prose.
9 h 37 min
